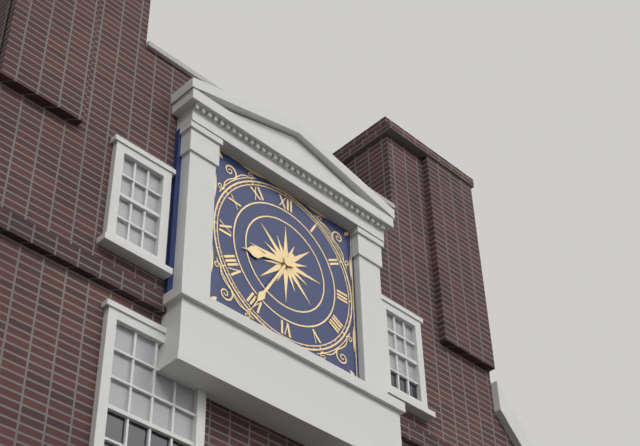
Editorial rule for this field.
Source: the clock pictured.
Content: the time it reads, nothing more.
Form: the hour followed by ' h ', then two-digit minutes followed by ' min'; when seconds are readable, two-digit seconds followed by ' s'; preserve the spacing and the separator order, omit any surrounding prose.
8 h 35 min
